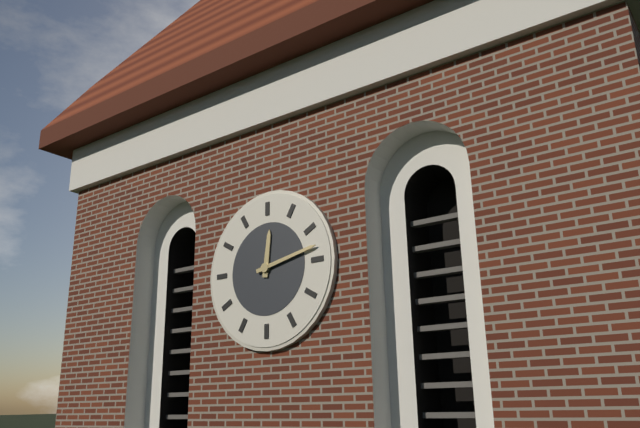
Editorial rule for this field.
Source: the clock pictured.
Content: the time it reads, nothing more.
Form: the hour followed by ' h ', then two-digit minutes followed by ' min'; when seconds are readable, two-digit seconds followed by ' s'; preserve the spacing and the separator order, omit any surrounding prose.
12 h 13 min
